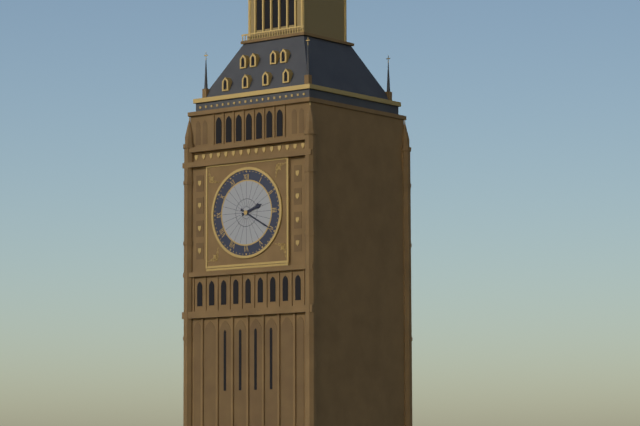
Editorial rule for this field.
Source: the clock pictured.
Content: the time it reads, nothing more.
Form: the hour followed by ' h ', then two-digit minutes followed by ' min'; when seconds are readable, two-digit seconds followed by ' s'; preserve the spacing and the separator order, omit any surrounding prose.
2 h 20 min
